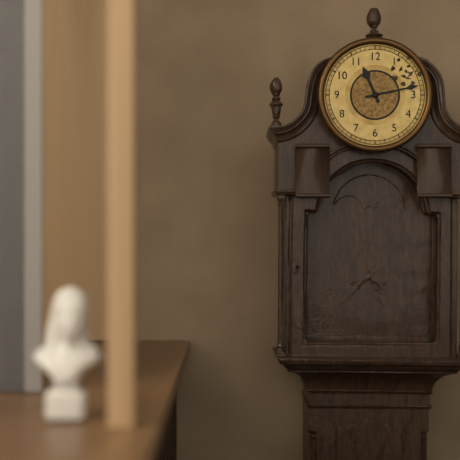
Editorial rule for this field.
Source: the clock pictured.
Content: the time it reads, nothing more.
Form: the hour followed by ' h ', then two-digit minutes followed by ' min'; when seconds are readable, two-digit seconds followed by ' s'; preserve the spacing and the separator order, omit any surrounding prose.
11 h 13 min
